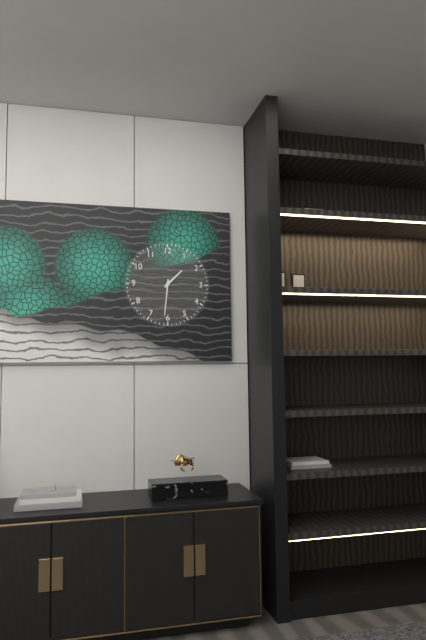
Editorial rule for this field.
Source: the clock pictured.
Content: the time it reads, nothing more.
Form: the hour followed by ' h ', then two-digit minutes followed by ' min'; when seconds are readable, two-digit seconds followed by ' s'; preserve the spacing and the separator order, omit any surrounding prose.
1 h 31 min
